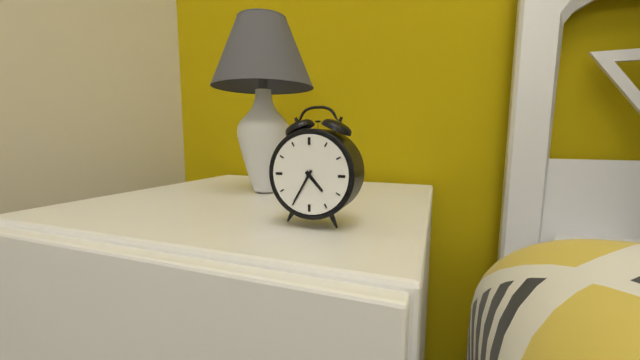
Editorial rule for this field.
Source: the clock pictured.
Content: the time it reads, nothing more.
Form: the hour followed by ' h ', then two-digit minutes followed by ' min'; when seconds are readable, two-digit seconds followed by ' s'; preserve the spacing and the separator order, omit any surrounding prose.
4 h 35 min
